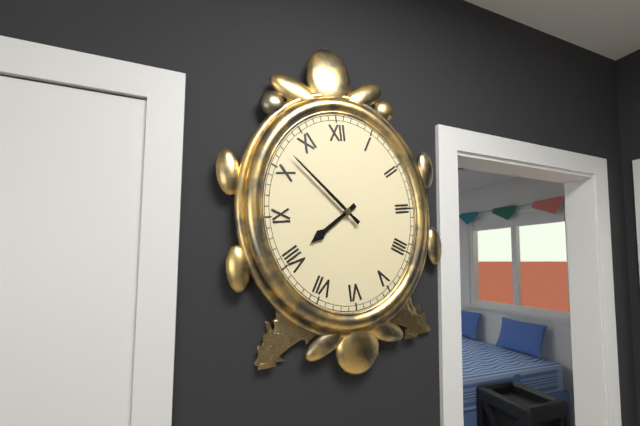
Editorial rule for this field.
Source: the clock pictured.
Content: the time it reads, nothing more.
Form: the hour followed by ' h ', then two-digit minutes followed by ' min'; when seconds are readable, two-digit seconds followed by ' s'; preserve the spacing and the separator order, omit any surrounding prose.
7 h 53 min
